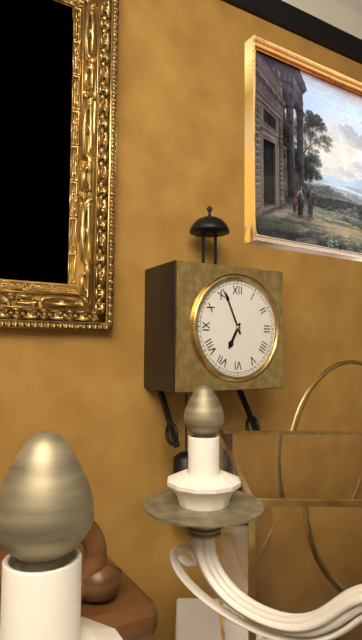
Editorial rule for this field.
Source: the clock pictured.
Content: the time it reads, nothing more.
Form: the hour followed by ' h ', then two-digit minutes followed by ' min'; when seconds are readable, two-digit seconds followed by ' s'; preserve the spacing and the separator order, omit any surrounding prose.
6 h 56 min
